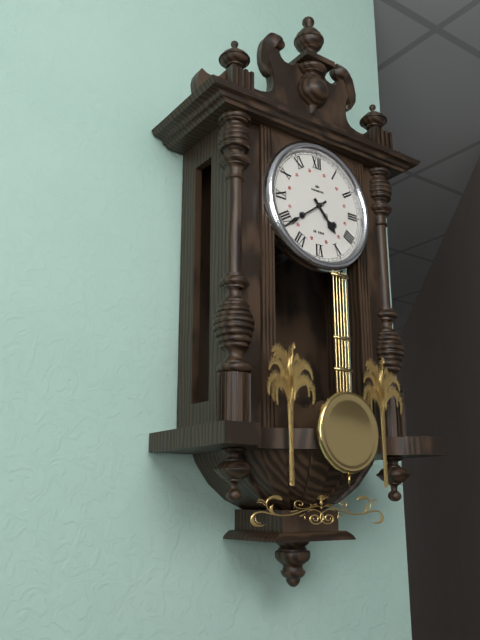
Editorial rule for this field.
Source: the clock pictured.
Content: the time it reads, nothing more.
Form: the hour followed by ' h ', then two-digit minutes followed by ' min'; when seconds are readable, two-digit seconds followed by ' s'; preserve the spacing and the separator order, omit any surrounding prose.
4 h 39 min
